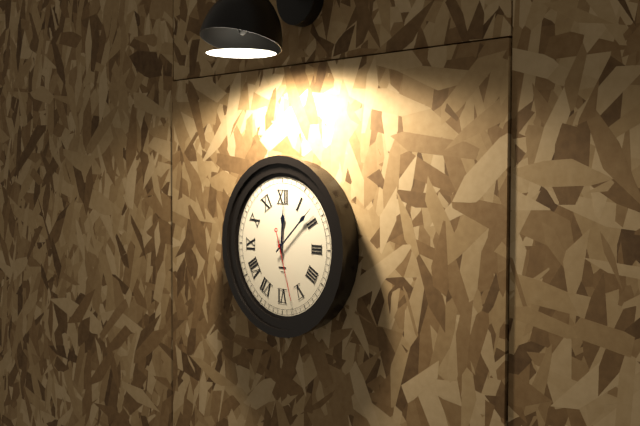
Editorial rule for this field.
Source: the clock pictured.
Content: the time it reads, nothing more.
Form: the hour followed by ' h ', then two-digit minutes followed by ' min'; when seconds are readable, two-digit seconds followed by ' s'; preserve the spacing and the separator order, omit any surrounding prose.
12 h 08 min 27 s
